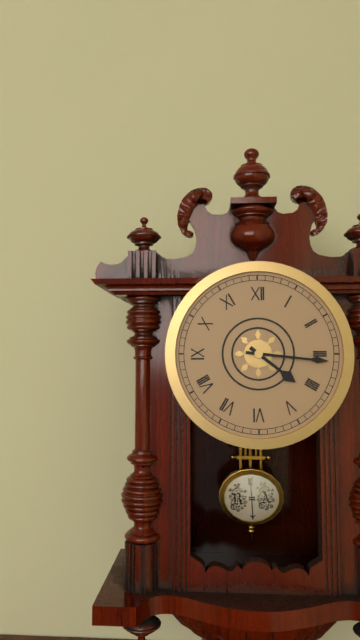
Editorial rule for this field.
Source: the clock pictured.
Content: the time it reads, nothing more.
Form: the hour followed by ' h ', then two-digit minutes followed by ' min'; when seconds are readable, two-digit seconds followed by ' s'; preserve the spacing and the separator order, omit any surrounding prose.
4 h 16 min
